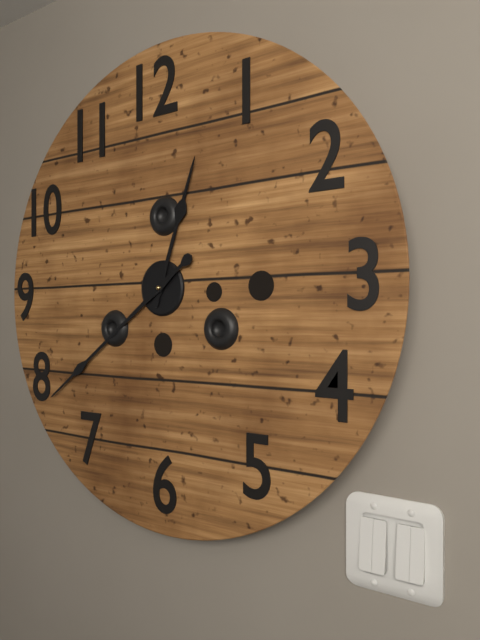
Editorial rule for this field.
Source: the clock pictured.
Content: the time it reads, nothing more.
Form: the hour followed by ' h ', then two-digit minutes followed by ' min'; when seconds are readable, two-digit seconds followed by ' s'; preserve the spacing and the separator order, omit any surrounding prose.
12 h 39 min
